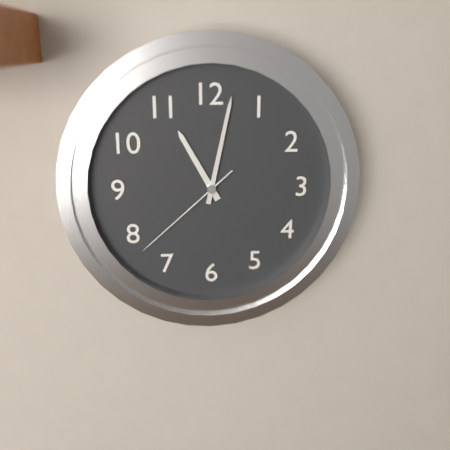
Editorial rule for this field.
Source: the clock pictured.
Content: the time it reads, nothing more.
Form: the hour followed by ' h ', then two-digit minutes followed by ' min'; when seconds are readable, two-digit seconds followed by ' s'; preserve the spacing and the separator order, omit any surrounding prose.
11 h 02 min 38 s
